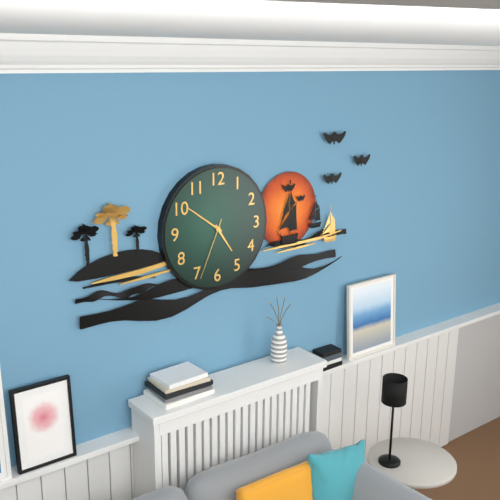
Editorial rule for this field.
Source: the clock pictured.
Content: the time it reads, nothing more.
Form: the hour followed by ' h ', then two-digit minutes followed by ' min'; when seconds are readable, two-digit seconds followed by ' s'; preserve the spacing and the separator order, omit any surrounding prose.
4 h 51 min 34 s
